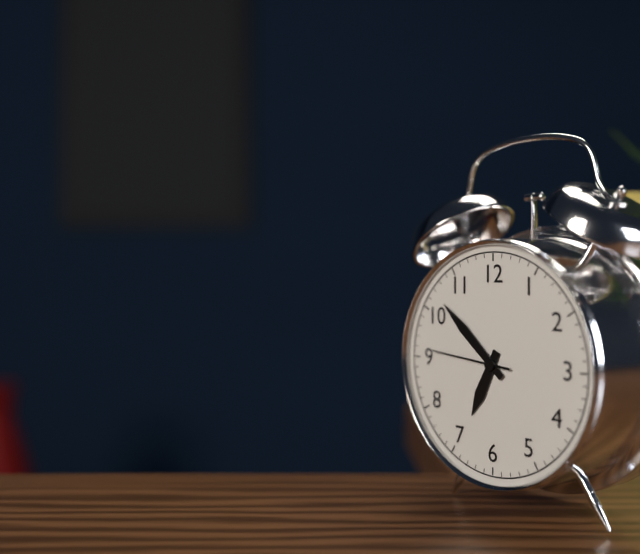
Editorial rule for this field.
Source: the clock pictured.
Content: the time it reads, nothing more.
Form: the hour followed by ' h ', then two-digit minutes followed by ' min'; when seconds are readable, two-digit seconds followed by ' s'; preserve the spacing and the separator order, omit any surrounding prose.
6 h 52 min 46 s
